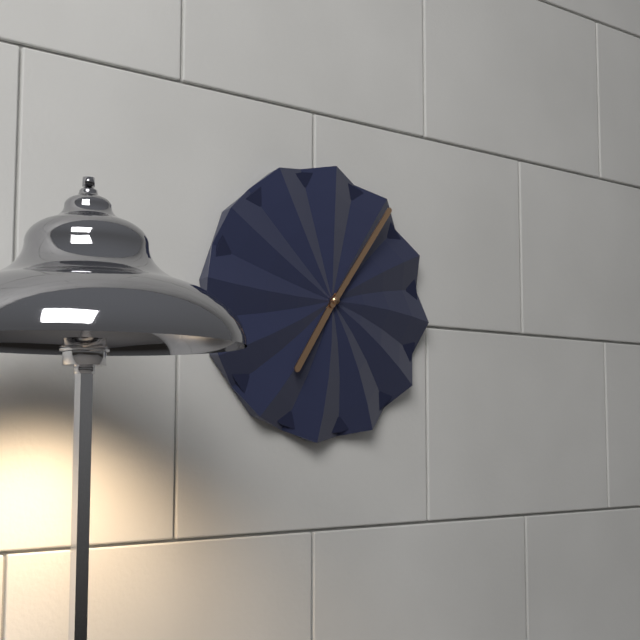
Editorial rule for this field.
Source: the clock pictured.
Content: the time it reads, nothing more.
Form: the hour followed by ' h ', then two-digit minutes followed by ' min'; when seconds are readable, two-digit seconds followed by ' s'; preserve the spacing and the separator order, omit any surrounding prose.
7 h 06 min
